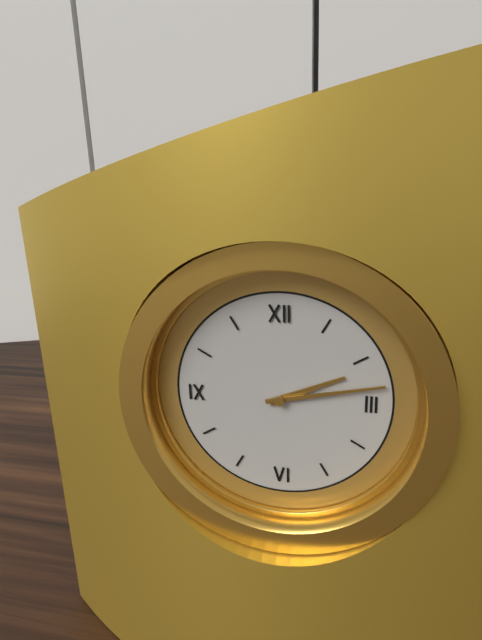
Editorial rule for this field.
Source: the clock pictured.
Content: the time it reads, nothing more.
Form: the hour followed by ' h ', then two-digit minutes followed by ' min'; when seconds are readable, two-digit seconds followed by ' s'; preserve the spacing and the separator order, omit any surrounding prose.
2 h 13 min
